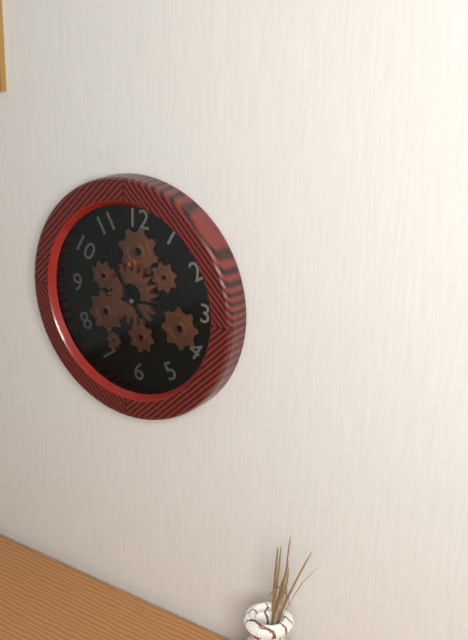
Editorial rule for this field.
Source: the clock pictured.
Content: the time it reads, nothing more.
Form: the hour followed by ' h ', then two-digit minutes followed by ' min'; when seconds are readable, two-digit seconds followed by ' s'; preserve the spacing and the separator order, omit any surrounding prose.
2 h 54 min
